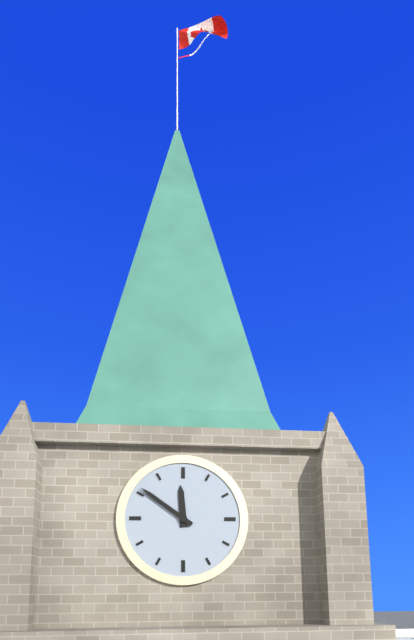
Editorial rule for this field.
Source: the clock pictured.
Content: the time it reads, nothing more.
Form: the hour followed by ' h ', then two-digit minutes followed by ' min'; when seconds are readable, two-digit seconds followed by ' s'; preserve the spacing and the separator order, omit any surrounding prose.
11 h 51 min
